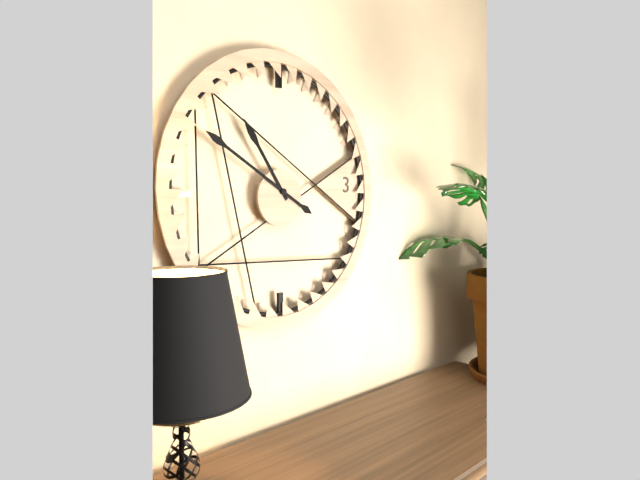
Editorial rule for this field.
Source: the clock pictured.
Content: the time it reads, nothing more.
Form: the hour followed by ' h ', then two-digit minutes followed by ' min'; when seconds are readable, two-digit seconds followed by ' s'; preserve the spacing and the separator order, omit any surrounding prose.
10 h 50 min
